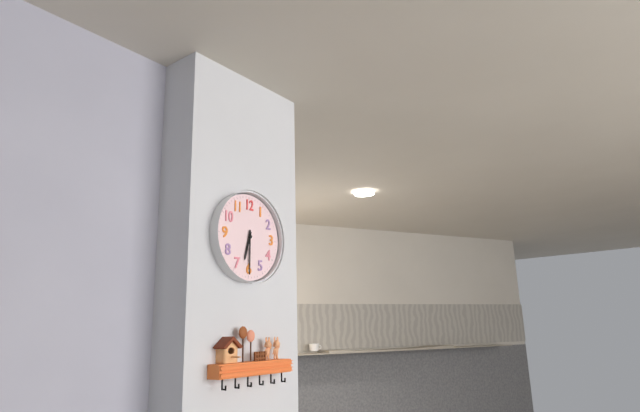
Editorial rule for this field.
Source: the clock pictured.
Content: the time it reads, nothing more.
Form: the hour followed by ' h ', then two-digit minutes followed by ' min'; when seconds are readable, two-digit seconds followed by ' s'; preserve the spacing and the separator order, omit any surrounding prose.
6 h 30 min
